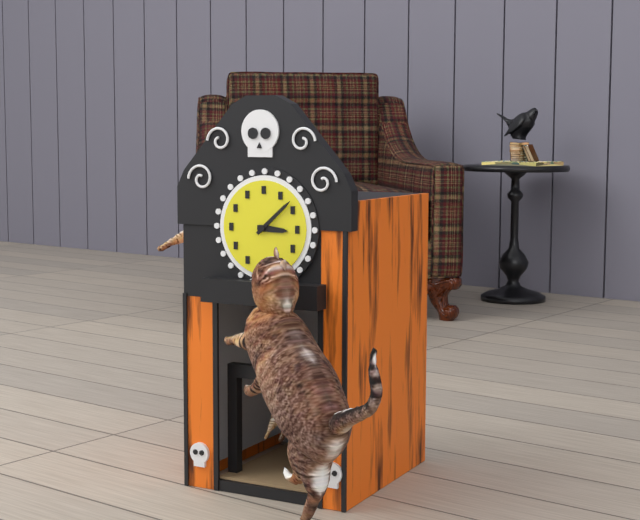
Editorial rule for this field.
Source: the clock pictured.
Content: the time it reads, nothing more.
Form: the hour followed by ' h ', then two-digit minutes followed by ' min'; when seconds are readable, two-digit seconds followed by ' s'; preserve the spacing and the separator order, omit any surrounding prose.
3 h 08 min
